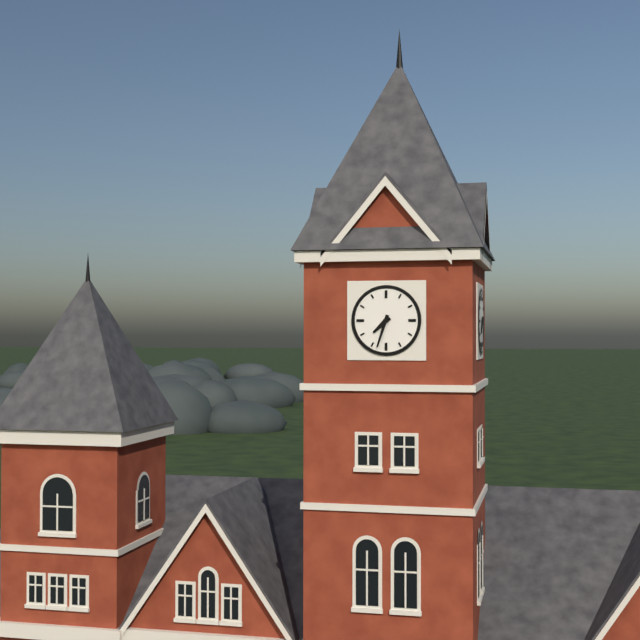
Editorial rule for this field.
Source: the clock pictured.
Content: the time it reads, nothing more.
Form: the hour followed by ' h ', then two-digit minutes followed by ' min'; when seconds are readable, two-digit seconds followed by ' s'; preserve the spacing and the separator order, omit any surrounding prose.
7 h 33 min
